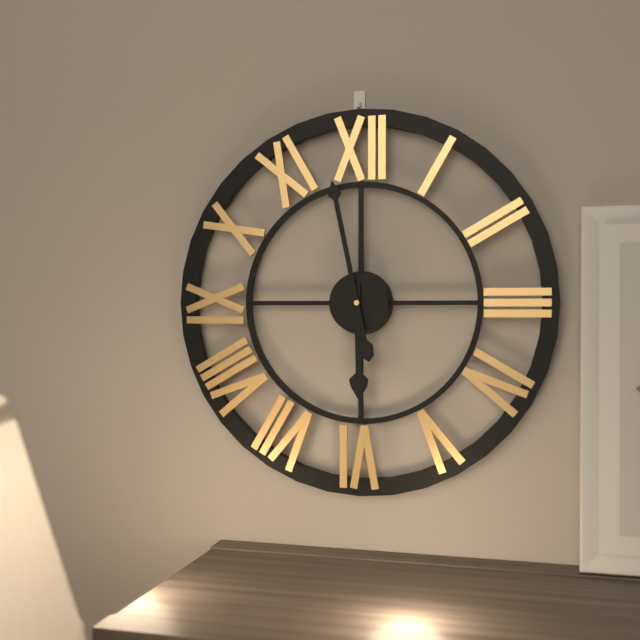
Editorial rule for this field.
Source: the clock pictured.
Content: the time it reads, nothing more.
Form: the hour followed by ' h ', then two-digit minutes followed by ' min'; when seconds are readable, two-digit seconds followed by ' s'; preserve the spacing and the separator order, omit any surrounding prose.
5 h 58 min
